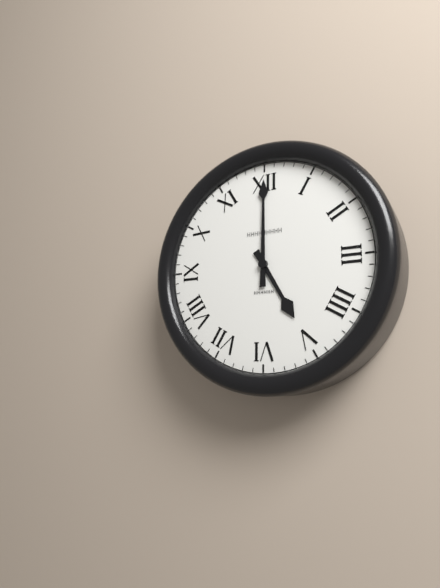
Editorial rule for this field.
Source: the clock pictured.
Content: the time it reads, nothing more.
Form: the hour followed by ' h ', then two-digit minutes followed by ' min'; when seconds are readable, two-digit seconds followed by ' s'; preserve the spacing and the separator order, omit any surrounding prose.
5 h 00 min
